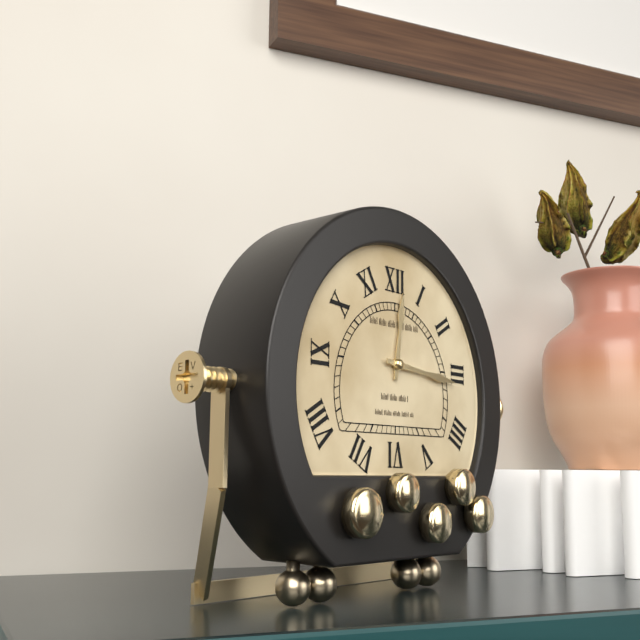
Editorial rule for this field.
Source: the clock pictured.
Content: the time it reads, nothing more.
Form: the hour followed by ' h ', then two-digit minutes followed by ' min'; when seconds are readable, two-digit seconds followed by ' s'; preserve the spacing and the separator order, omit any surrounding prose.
12 h 16 min
